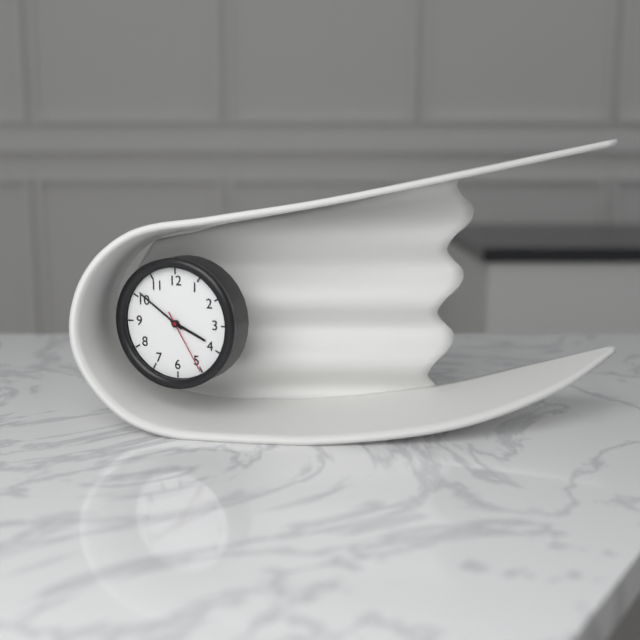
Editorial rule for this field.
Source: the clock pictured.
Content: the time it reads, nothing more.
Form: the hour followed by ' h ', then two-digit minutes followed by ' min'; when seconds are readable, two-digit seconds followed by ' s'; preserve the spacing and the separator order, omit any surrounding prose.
3 h 51 min 25 s
